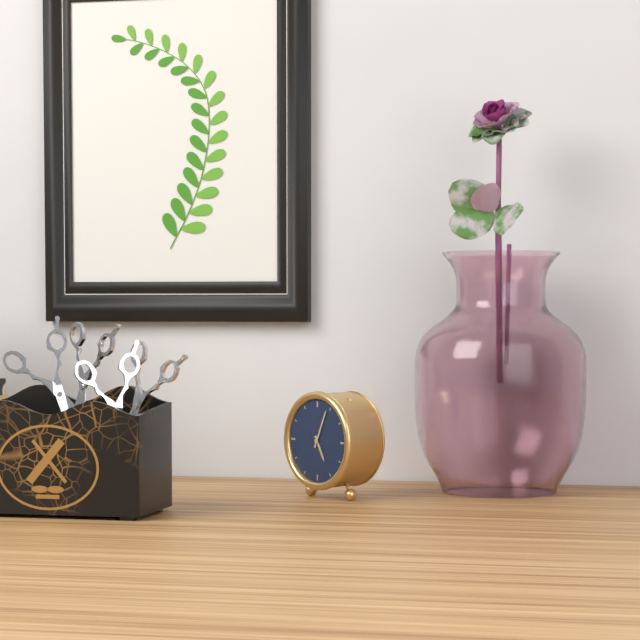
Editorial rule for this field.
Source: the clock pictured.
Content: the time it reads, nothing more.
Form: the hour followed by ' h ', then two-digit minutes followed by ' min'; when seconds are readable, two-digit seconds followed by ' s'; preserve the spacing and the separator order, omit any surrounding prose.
5 h 04 min
